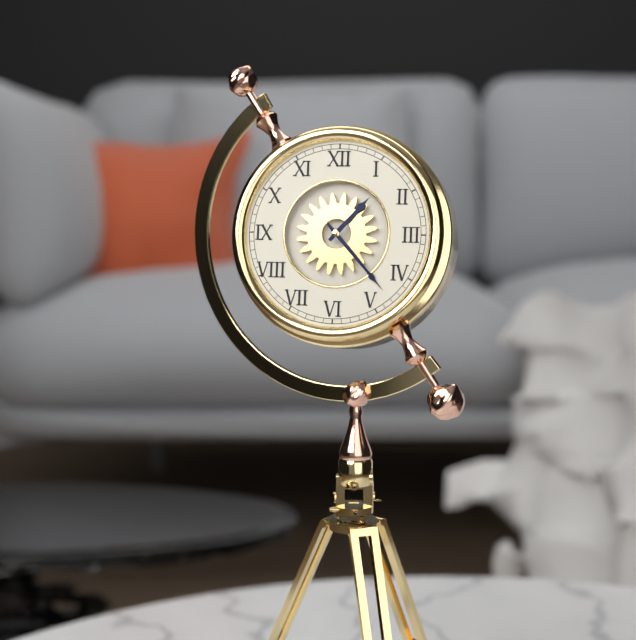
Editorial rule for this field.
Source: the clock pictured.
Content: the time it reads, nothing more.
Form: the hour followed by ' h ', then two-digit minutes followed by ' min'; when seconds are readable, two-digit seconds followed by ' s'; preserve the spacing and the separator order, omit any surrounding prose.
1 h 23 min
